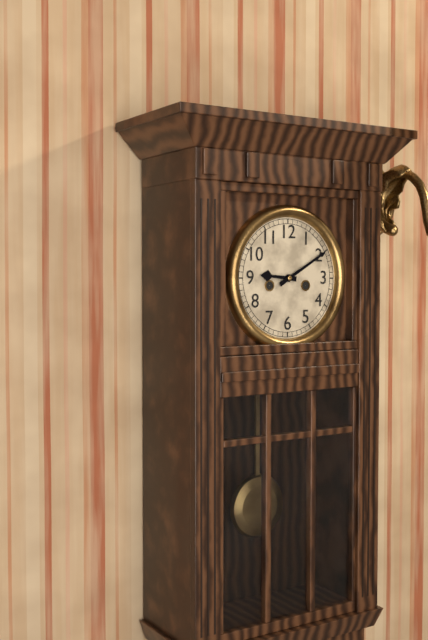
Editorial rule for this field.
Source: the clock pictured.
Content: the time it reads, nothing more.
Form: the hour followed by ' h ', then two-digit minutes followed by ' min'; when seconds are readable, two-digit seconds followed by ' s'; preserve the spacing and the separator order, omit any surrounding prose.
9 h 10 min
